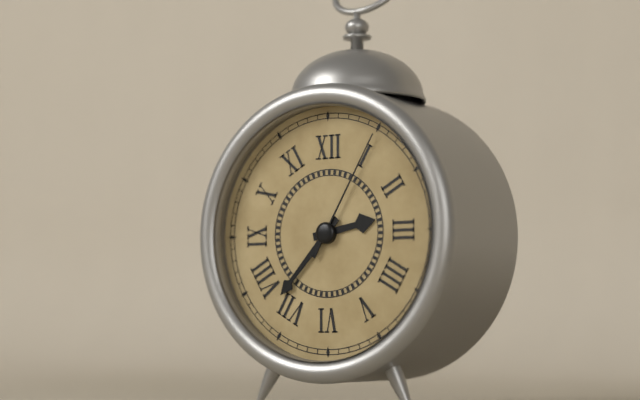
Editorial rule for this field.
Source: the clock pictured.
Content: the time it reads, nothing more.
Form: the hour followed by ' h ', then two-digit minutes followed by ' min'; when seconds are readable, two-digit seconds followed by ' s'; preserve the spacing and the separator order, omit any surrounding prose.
2 h 37 min 05 s
